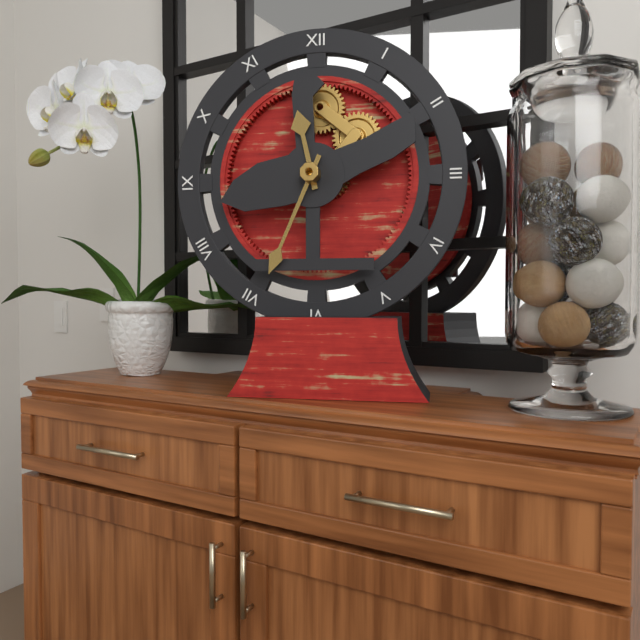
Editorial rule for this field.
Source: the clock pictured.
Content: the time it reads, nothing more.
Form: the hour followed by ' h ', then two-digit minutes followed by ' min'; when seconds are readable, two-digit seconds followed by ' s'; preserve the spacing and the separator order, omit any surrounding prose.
11 h 34 min
